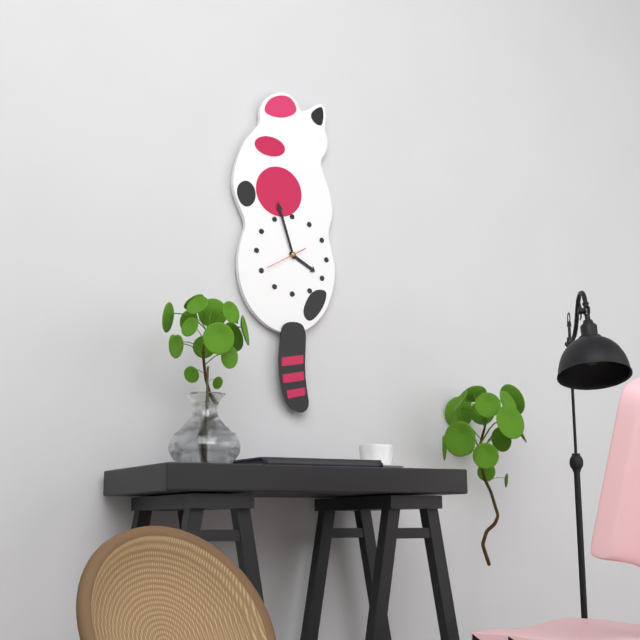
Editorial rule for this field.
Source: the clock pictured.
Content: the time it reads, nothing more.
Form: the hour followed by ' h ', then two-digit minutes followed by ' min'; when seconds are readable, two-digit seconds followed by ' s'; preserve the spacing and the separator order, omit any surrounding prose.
3 h 57 min
